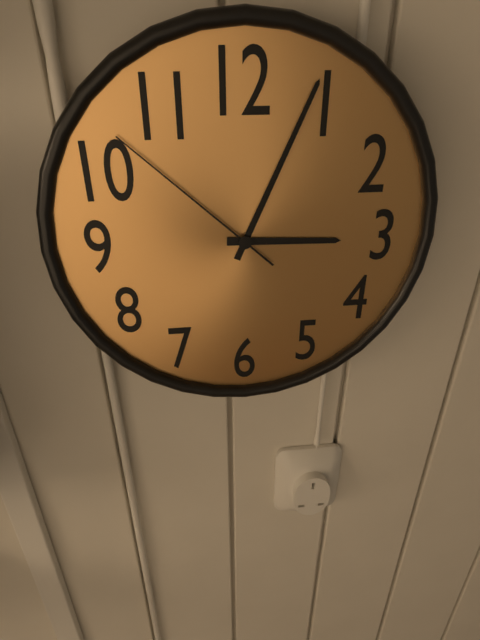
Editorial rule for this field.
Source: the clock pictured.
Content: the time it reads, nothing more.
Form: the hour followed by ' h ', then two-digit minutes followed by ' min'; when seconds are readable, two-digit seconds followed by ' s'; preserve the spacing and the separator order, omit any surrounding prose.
3 h 04 min 52 s
